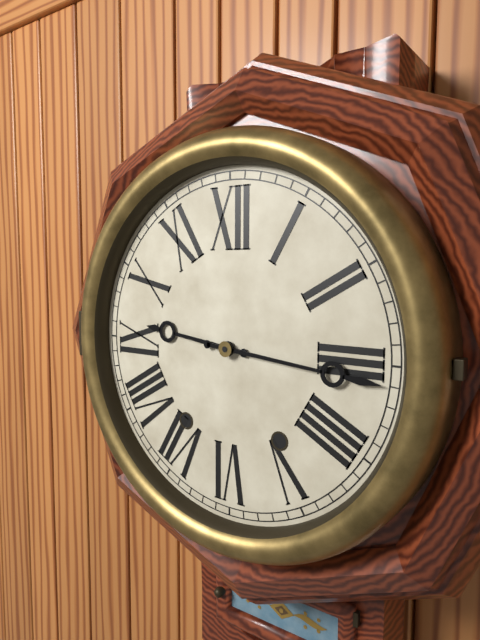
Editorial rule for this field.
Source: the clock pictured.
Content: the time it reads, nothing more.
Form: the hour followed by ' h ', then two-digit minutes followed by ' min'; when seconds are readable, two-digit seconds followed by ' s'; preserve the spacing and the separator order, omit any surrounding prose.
9 h 16 min
